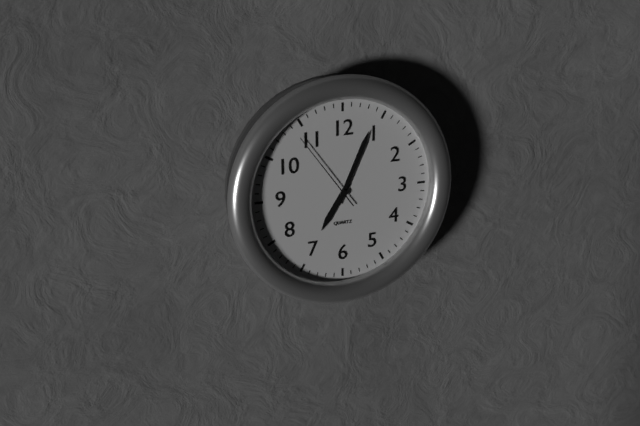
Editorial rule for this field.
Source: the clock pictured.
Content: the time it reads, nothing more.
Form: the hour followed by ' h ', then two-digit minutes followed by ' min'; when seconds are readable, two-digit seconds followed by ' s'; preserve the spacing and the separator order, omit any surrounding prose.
7 h 04 min 54 s
